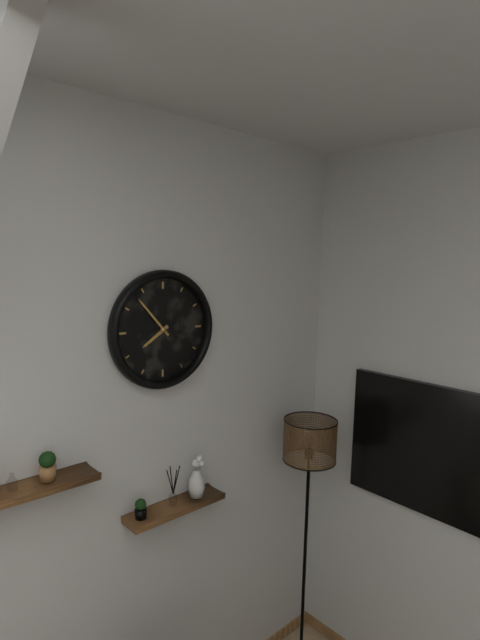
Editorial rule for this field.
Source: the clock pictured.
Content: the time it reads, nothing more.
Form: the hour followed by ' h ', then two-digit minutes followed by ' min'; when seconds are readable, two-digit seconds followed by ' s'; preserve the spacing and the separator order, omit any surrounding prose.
7 h 53 min
